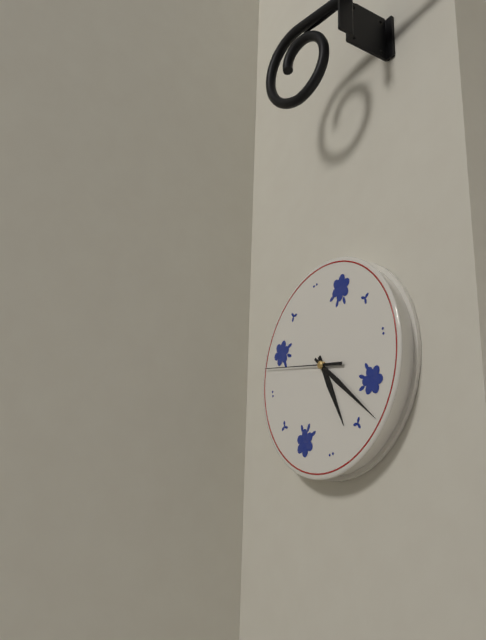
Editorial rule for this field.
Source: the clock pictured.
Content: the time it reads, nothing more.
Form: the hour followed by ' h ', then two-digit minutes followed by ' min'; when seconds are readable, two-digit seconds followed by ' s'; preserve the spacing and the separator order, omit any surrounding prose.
5 h 23 min 48 s
